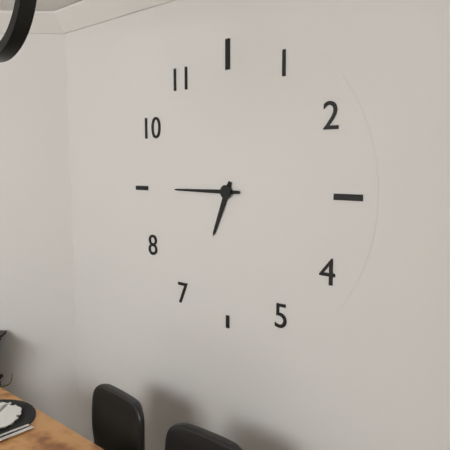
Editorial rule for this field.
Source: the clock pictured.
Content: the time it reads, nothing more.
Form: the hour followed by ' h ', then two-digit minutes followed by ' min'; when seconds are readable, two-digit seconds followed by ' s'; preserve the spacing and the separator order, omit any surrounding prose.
6 h 45 min
